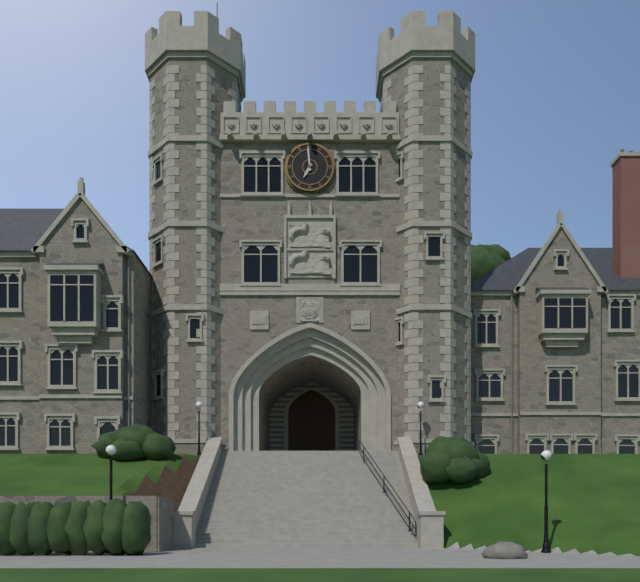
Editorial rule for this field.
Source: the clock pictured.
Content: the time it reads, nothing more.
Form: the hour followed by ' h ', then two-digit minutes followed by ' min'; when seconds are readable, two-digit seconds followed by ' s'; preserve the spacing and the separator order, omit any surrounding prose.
6 h 59 min
